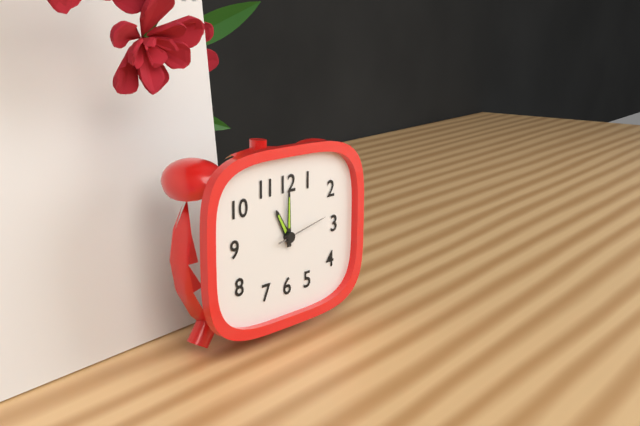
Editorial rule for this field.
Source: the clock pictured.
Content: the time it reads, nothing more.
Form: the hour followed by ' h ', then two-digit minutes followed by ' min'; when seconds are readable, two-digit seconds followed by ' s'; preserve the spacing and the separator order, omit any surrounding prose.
11 h 00 min 13 s
